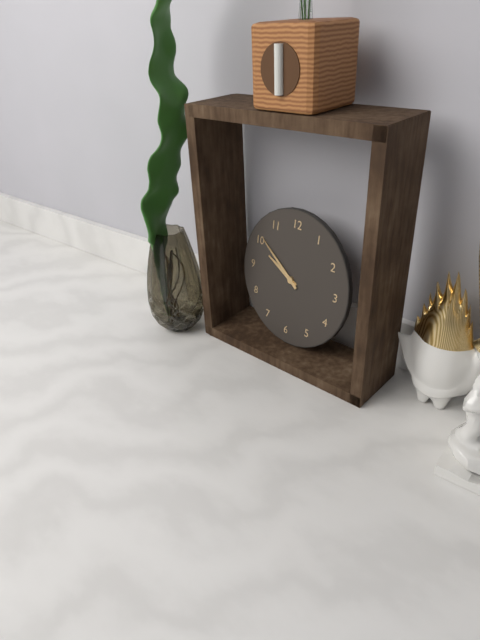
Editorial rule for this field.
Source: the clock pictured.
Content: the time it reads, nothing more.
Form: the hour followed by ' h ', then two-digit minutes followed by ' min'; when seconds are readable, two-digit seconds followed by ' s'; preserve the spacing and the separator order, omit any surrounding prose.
9 h 51 min
